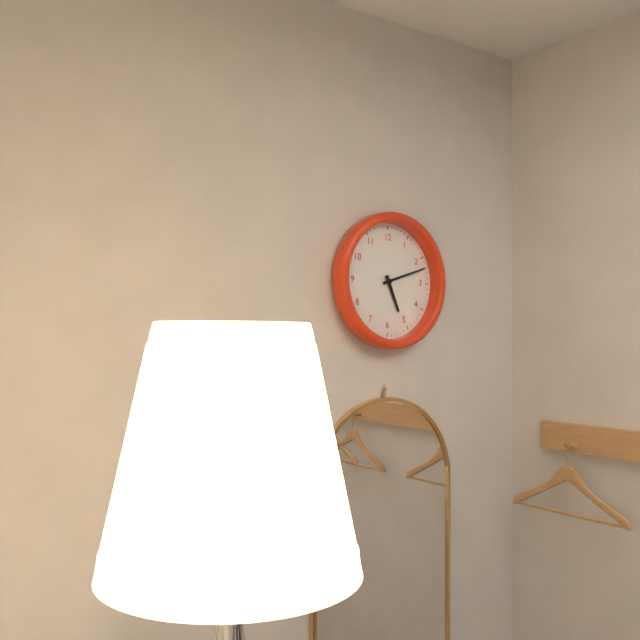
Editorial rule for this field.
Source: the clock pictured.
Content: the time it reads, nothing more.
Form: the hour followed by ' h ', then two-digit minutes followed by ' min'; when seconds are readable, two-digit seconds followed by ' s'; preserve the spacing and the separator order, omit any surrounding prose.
5 h 12 min
